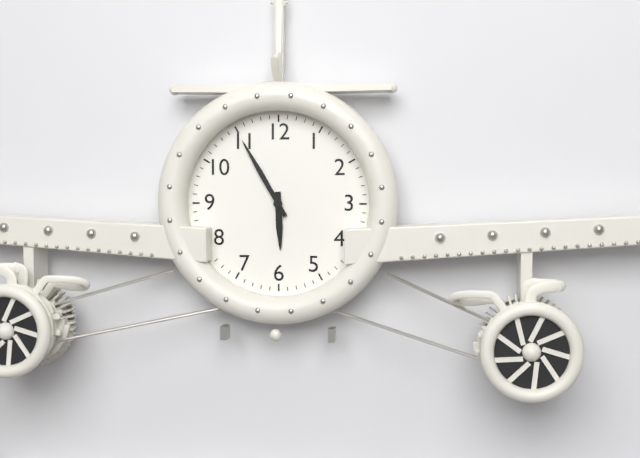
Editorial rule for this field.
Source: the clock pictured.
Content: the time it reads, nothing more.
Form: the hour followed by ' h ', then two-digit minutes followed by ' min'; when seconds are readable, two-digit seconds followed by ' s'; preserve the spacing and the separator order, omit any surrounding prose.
5 h 55 min
